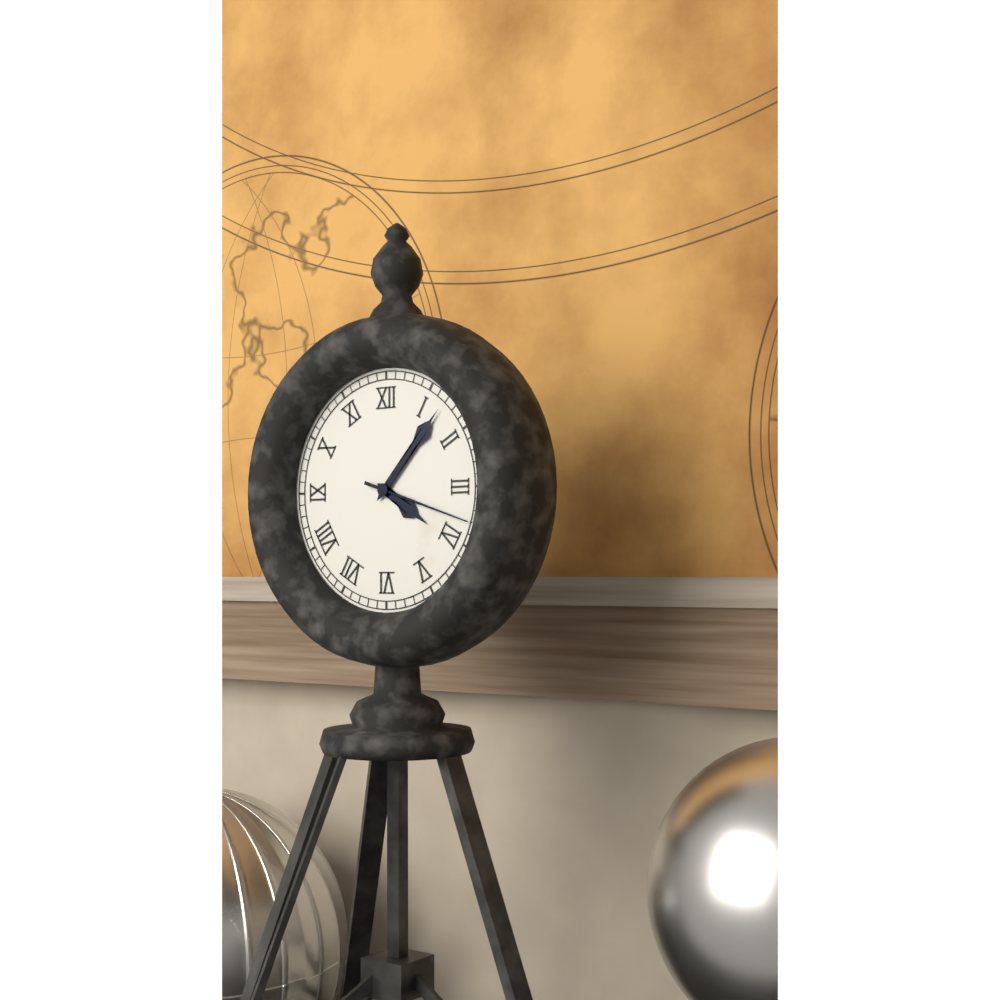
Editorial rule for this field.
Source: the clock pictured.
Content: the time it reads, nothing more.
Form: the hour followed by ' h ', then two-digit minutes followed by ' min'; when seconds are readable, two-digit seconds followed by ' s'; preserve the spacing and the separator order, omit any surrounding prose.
4 h 07 min 18 s
